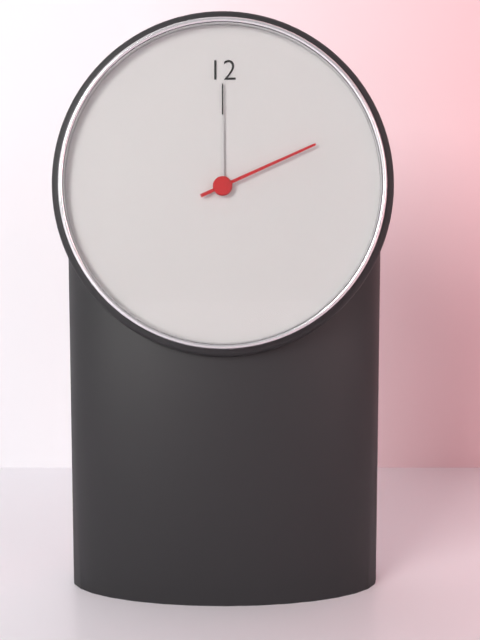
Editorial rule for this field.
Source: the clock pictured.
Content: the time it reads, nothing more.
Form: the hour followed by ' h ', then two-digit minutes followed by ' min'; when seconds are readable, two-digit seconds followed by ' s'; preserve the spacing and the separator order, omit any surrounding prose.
12 h 00 min 11 s
